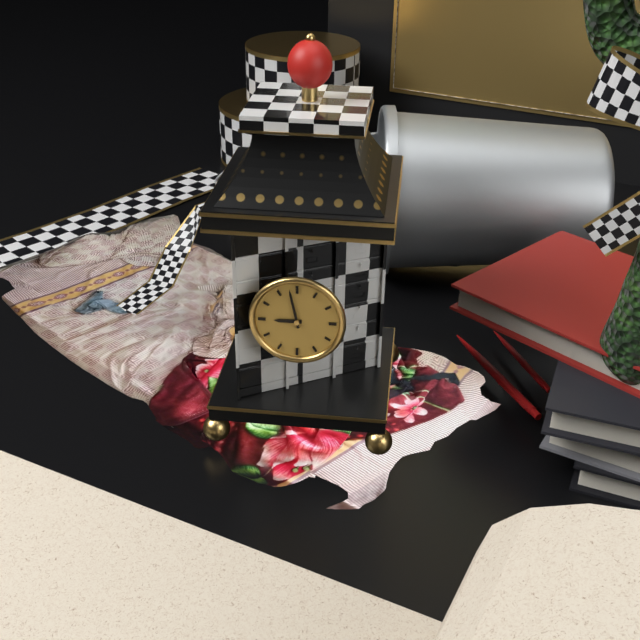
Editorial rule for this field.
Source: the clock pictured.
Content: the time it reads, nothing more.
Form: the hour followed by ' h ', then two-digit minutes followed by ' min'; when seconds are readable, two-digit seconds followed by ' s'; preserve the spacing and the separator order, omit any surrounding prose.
8 h 58 min
